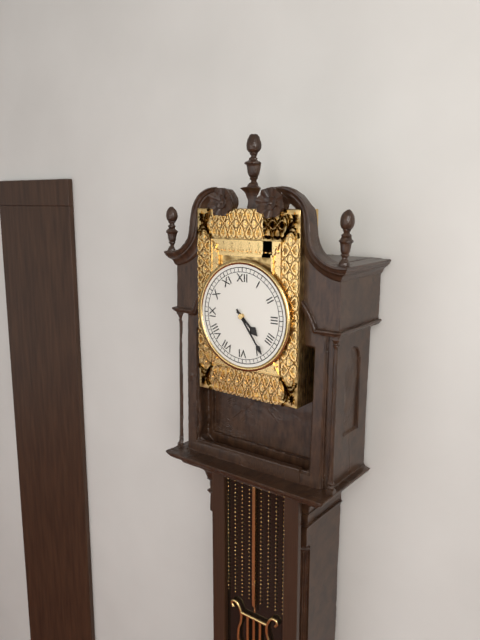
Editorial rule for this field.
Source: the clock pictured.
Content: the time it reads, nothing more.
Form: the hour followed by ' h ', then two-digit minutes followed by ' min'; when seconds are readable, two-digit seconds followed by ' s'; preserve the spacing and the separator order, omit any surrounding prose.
4 h 24 min
